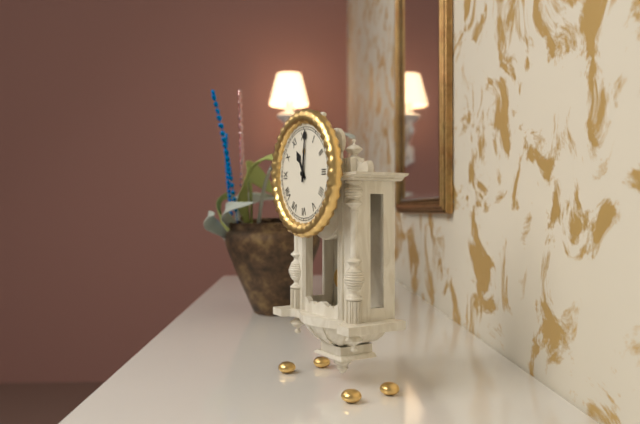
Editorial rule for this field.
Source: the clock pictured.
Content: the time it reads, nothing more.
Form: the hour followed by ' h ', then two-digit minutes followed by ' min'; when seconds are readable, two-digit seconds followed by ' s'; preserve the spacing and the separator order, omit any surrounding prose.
11 h 01 min
